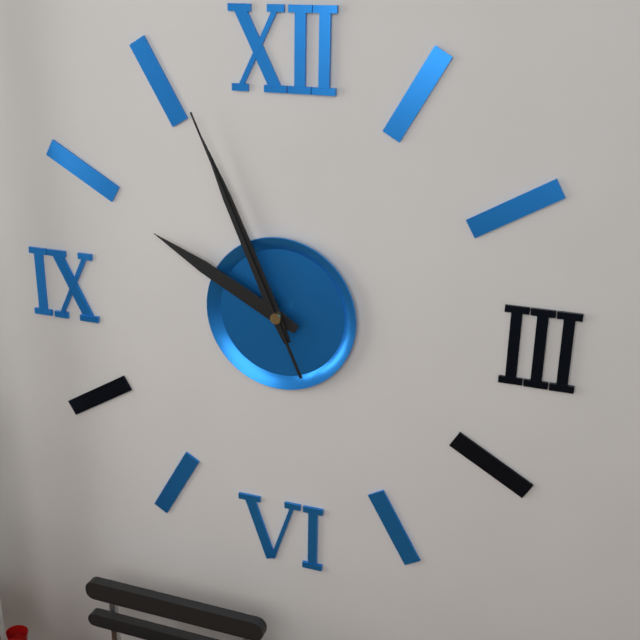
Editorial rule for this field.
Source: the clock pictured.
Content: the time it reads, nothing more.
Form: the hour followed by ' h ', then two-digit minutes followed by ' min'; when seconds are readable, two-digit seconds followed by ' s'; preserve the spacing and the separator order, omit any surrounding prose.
9 h 56 min 56 s
